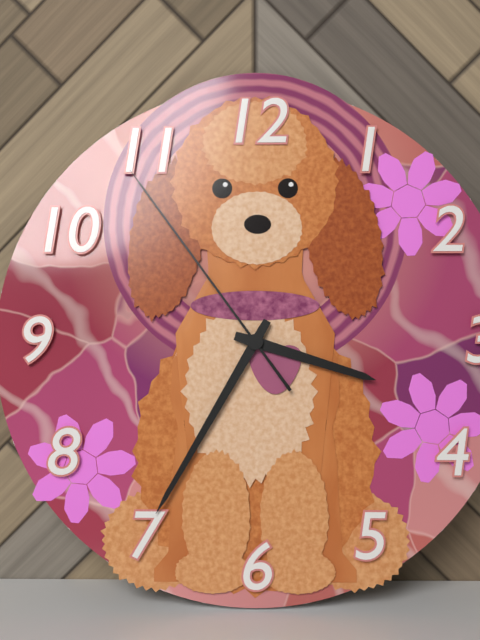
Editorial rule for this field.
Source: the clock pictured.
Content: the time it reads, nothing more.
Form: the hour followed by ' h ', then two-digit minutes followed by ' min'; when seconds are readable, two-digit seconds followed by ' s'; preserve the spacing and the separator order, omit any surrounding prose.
3 h 35 min 54 s
